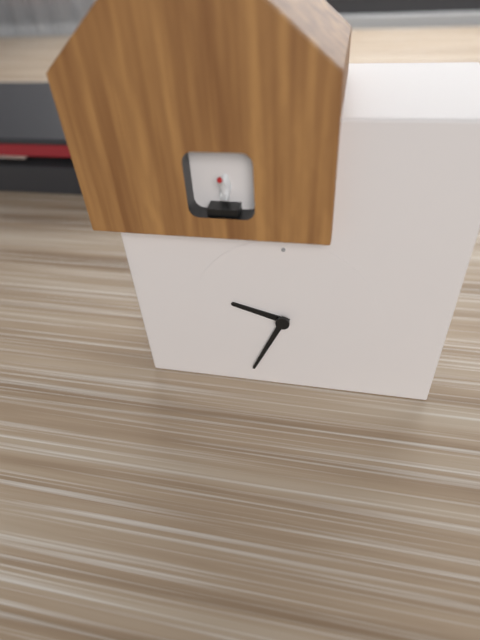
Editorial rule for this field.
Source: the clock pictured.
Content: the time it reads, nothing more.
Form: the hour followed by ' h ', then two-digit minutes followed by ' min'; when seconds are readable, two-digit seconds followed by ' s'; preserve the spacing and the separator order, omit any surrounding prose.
9 h 34 min
